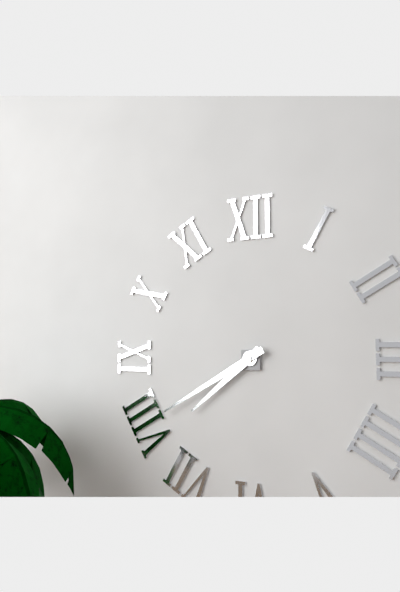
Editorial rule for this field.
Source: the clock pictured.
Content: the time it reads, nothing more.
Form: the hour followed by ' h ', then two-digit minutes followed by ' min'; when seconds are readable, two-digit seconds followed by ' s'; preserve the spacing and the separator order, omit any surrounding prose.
7 h 40 min
